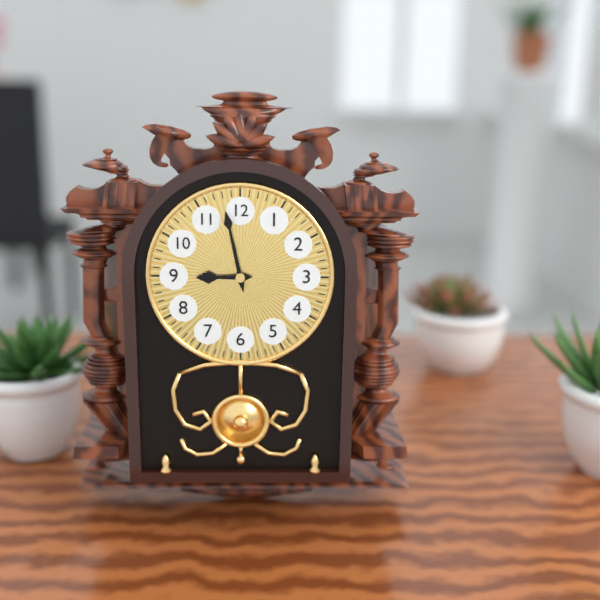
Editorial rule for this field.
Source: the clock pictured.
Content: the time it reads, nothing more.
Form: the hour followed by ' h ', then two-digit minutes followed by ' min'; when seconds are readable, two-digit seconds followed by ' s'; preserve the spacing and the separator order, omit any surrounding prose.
8 h 58 min
